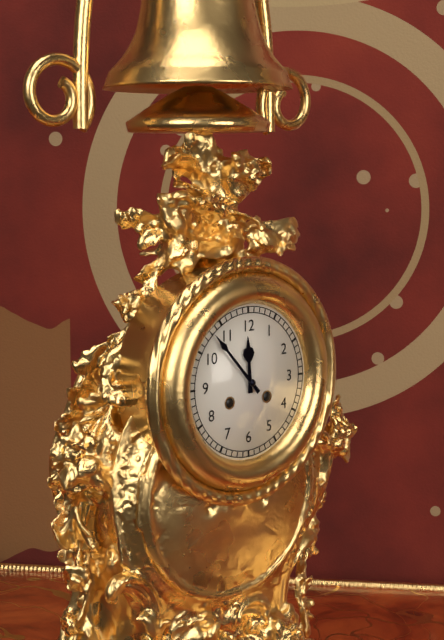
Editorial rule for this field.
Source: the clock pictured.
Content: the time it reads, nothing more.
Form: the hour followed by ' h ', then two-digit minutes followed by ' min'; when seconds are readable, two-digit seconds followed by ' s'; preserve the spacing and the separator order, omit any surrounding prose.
11 h 53 min
